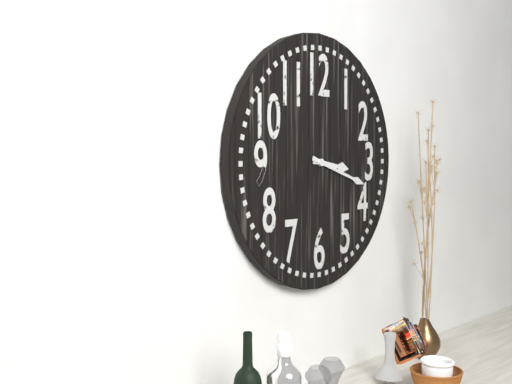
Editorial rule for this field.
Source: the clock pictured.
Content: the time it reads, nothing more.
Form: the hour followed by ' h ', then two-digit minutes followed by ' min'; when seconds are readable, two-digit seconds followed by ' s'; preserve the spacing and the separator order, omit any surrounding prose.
3 h 18 min
